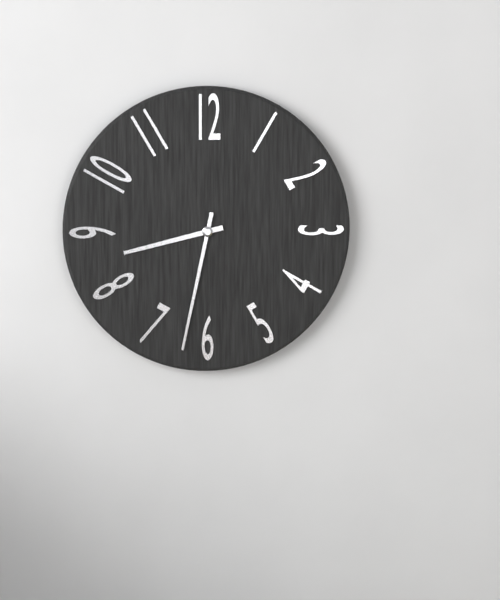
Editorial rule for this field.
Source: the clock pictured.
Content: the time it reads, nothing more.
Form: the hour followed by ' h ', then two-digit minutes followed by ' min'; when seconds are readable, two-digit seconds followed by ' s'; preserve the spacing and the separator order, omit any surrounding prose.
8 h 32 min
